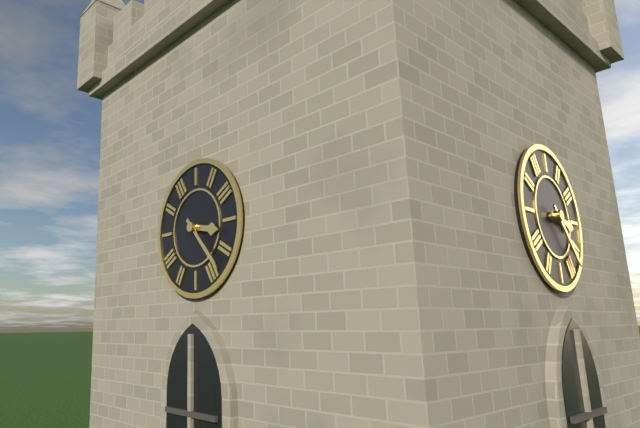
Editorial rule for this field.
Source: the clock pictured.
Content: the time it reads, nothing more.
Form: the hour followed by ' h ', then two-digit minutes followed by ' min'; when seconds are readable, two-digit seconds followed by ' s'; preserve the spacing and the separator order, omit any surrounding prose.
3 h 23 min
